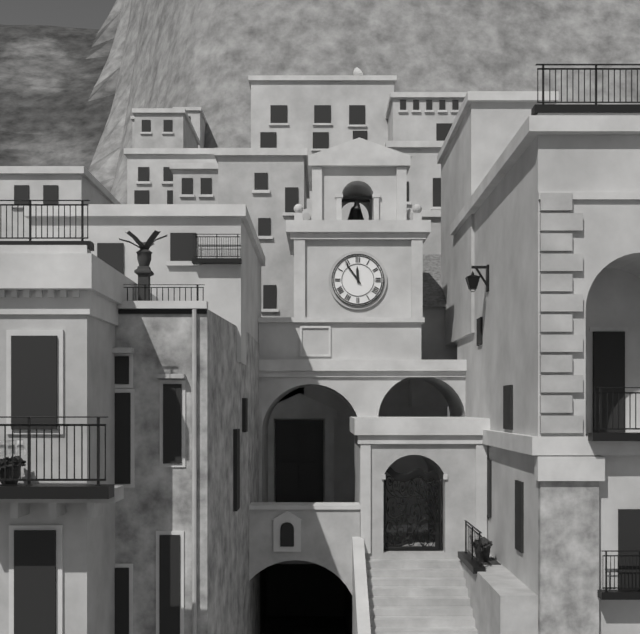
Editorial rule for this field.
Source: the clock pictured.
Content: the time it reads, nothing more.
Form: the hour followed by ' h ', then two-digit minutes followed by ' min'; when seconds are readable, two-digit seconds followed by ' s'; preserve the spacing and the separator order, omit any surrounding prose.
11 h 54 min
